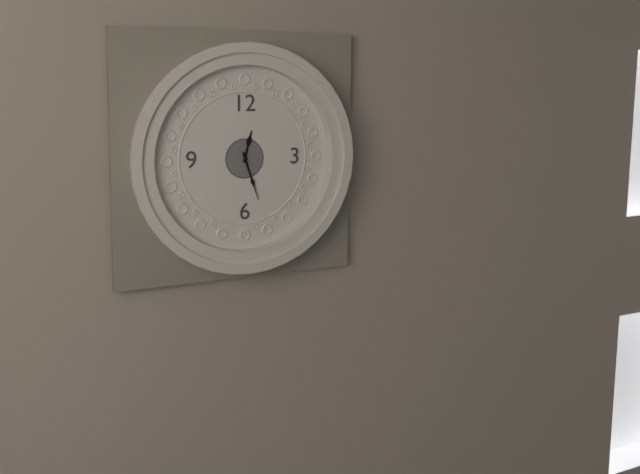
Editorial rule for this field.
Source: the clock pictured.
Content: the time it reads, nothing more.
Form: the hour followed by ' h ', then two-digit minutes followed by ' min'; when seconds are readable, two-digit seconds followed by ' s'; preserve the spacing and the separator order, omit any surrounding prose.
12 h 27 min
